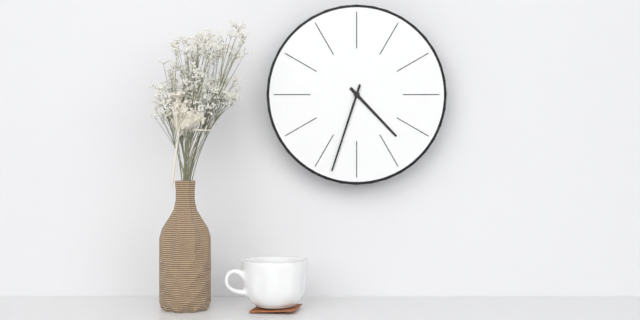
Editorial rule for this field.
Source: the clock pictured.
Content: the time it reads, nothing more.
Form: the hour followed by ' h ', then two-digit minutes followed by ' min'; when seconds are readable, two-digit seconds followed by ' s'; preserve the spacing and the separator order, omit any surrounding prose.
4 h 33 min
